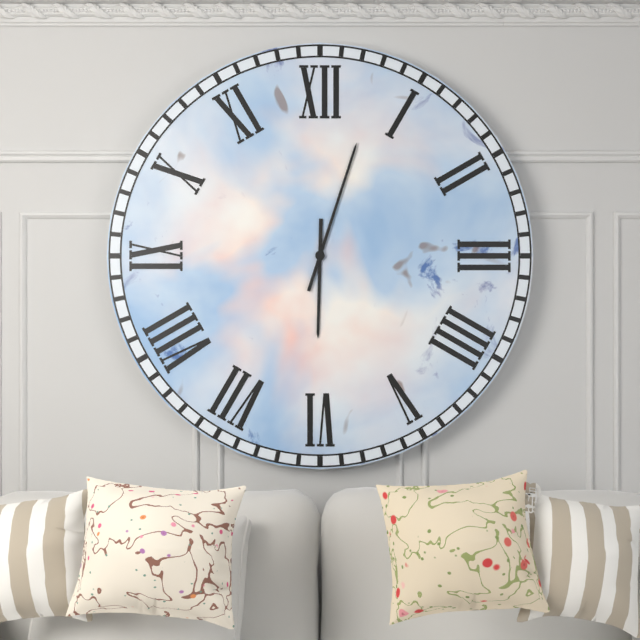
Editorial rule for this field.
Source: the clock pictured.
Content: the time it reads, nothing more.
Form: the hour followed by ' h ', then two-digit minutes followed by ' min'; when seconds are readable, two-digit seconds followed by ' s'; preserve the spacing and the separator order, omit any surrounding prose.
6 h 03 min
